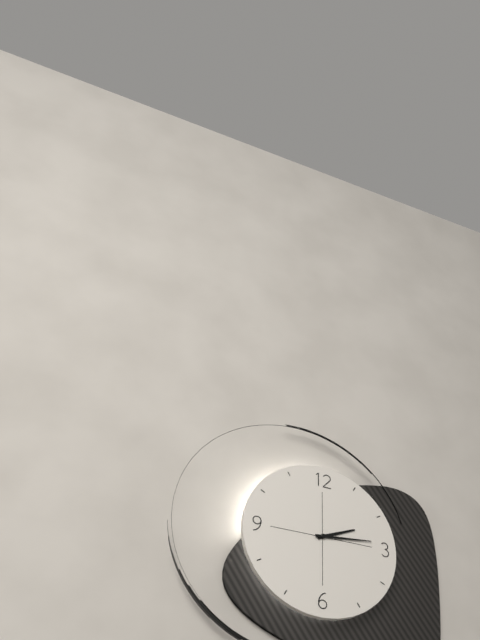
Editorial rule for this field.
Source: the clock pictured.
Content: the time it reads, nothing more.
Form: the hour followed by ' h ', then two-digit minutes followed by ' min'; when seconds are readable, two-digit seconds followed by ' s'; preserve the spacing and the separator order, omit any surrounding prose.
2 h 14 min
